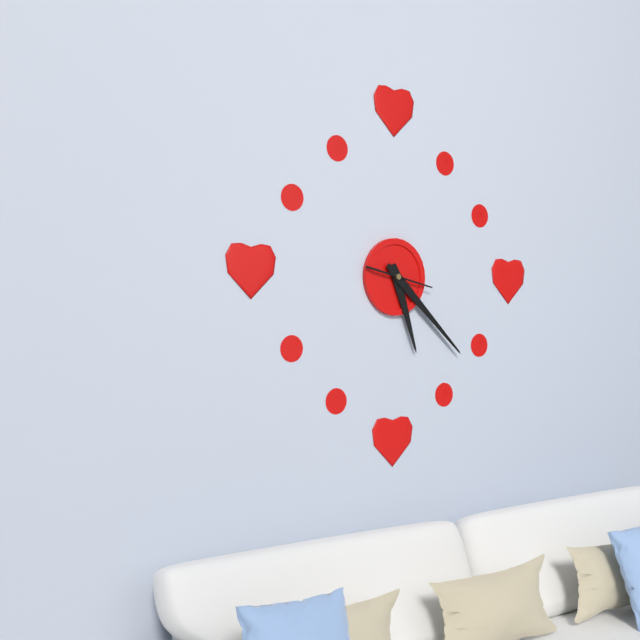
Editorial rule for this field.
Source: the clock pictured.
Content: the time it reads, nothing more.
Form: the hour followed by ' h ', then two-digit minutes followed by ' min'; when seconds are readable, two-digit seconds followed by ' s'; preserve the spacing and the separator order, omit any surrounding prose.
5 h 22 min
